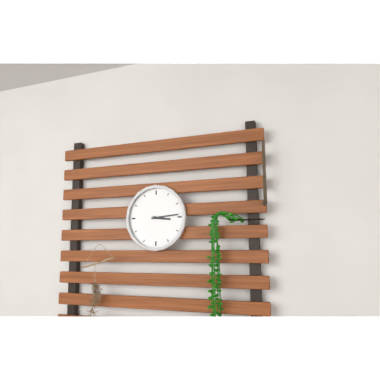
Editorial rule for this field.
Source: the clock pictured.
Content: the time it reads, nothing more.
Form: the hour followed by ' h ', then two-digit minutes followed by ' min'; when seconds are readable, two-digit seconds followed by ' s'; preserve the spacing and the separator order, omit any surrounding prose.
3 h 14 min
